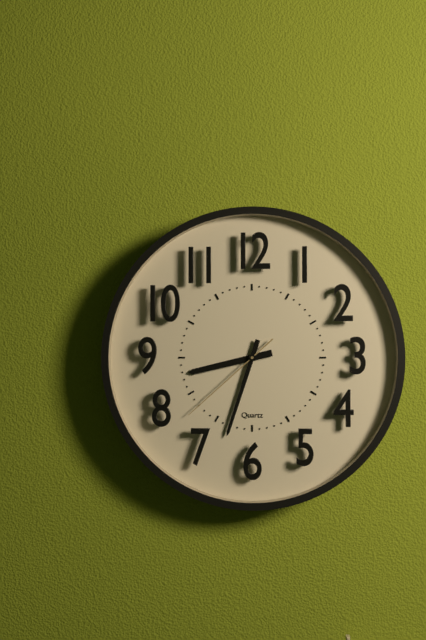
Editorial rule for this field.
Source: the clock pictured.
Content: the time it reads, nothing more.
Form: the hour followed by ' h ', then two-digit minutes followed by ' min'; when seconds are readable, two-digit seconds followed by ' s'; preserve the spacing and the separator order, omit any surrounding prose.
8 h 33 min 38 s
